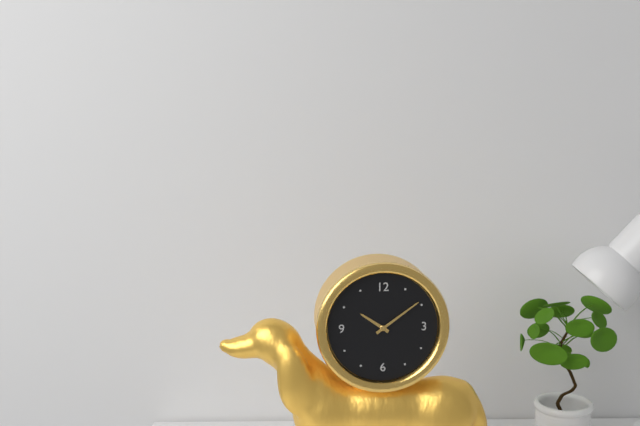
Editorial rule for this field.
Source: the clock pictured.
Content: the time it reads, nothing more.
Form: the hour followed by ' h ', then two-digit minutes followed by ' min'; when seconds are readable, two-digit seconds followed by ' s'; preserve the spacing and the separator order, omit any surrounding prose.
10 h 09 min
